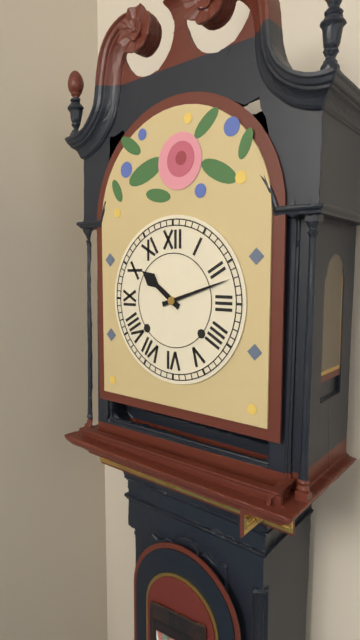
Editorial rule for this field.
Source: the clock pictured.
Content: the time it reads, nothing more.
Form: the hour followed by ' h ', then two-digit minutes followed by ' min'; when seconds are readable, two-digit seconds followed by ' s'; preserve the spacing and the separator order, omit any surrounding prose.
10 h 12 min
